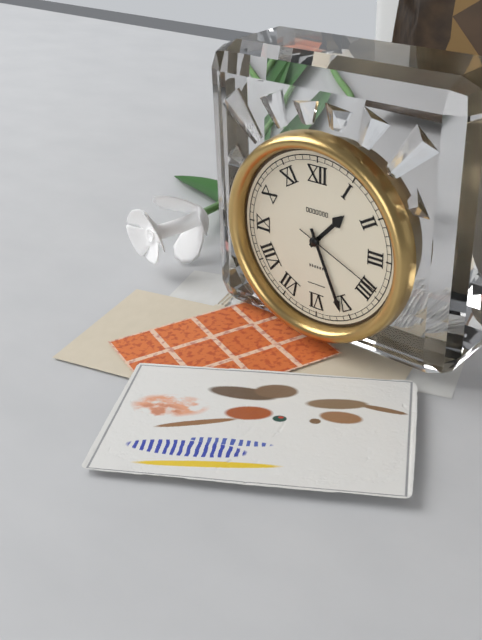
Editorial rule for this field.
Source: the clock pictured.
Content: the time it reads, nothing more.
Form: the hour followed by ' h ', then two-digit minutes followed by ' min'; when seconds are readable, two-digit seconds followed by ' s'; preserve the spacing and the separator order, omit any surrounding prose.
1 h 26 min 19 s
